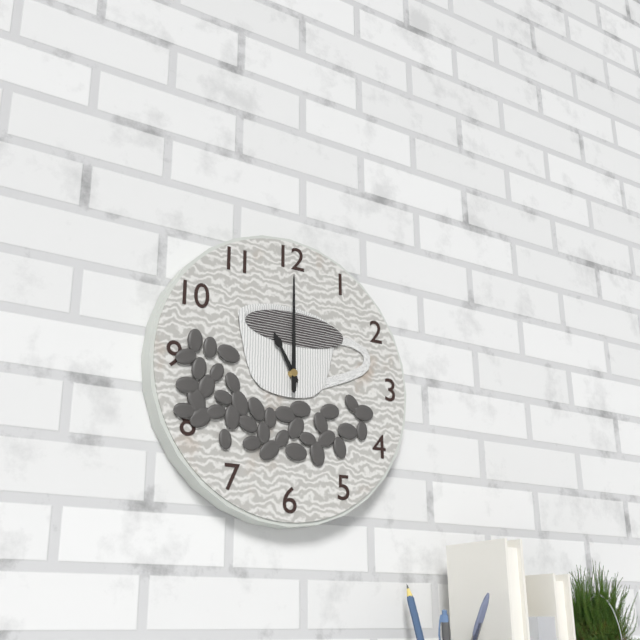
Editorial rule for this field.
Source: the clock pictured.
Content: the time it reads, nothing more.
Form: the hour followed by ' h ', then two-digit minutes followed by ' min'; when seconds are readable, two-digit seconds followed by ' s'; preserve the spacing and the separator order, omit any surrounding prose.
11 h 00 min
